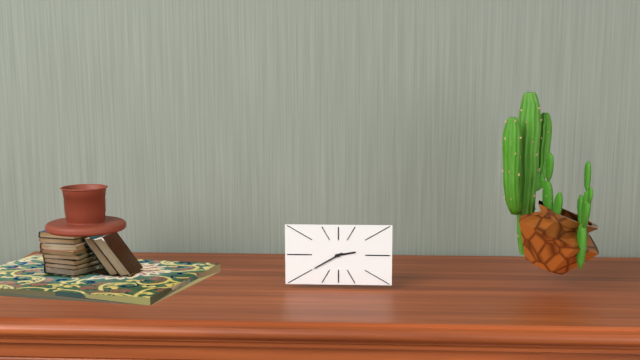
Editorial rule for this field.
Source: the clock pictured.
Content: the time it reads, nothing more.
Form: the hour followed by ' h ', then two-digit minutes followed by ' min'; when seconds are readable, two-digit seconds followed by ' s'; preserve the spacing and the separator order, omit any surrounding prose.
2 h 40 min
